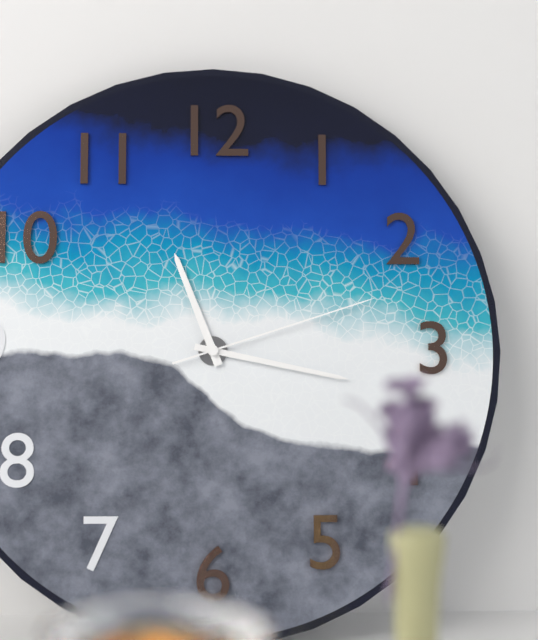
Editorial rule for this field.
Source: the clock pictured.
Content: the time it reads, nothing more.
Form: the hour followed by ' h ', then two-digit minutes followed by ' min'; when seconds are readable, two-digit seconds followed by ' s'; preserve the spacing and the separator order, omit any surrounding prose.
11 h 17 min 12 s
